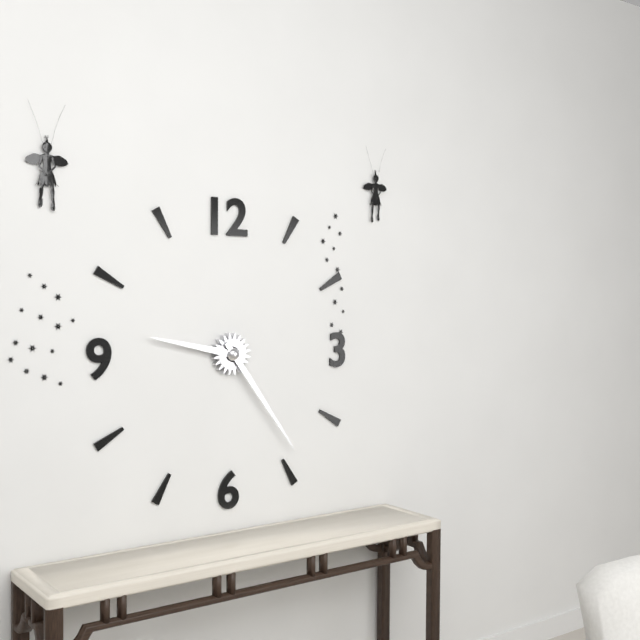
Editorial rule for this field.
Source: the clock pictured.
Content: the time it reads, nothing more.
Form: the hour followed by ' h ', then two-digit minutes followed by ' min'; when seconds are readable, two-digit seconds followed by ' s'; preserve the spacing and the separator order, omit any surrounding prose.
9 h 24 min
